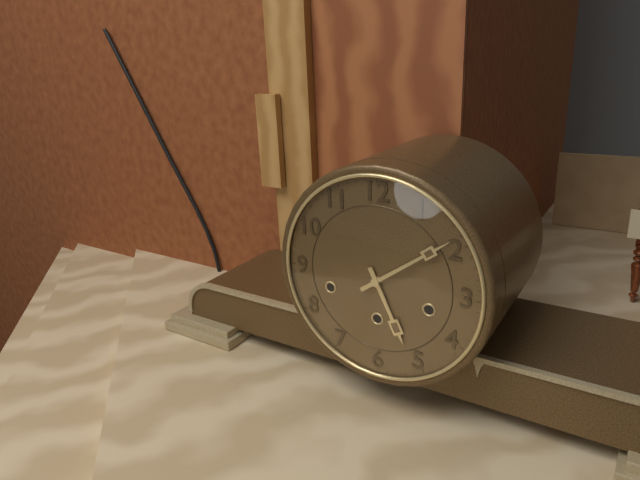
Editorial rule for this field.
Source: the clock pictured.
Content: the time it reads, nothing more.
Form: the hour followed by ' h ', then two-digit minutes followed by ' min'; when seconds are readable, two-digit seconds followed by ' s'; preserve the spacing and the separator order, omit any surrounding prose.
5 h 09 min
